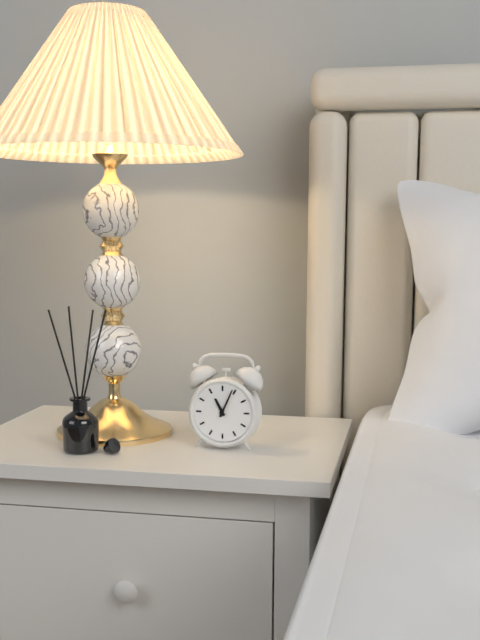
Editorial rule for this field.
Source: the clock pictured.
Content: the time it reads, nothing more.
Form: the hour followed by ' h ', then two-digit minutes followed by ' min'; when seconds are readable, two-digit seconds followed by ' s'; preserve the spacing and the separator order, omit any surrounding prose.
11 h 04 min
